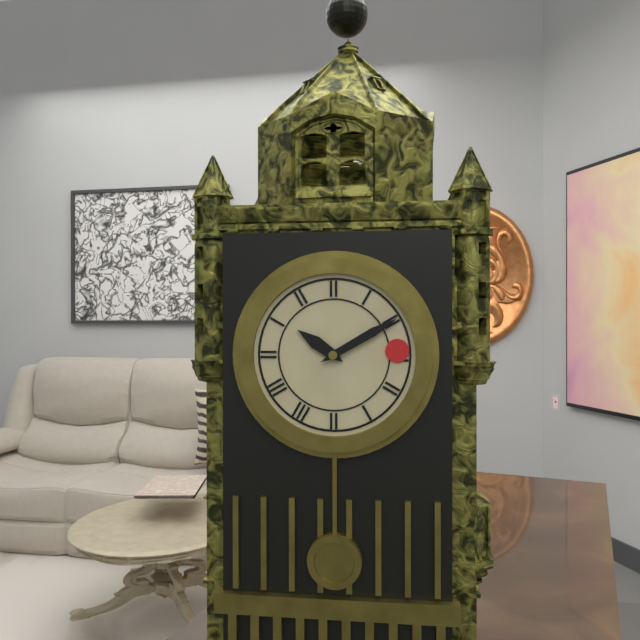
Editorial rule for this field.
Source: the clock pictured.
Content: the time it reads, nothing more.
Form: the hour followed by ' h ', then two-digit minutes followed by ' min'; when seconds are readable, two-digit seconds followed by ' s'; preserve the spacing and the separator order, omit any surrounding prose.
10 h 10 min
